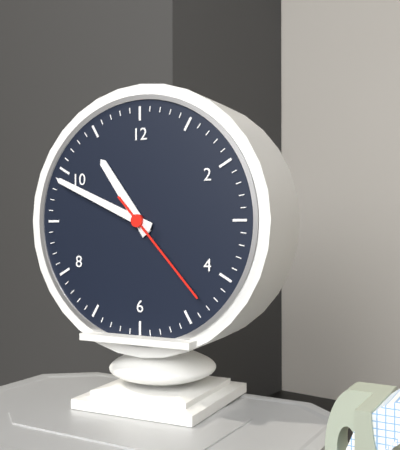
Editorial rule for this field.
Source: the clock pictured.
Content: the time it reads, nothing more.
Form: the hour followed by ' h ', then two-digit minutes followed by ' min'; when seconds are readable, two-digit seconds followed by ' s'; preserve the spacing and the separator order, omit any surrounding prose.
10 h 49 min 23 s
